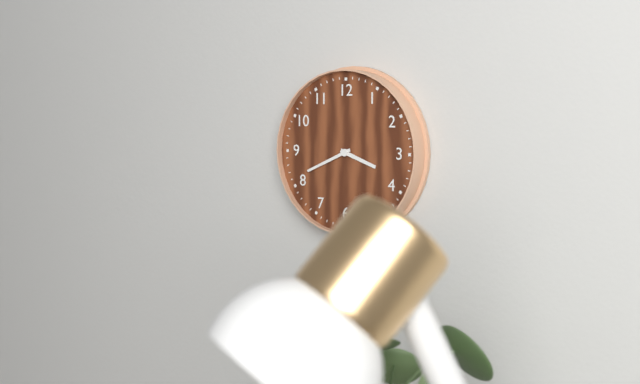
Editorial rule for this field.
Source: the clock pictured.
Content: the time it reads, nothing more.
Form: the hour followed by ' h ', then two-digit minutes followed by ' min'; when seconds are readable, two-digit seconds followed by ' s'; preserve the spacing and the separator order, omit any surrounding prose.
3 h 41 min
